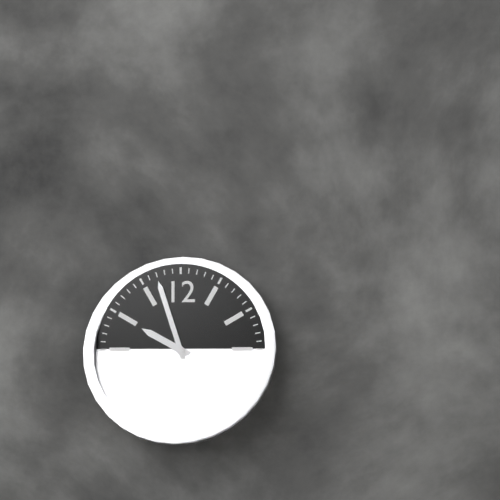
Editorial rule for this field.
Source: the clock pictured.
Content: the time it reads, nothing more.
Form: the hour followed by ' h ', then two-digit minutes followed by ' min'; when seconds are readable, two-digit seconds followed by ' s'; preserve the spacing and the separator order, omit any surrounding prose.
9 h 57 min
